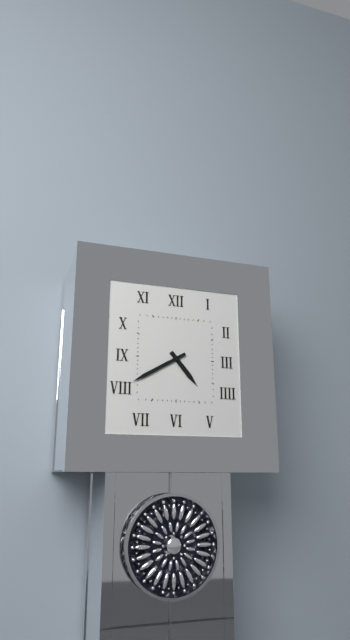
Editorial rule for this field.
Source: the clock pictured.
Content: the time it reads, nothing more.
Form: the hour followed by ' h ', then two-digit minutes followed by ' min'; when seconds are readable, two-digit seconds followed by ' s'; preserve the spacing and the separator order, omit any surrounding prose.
4 h 40 min
